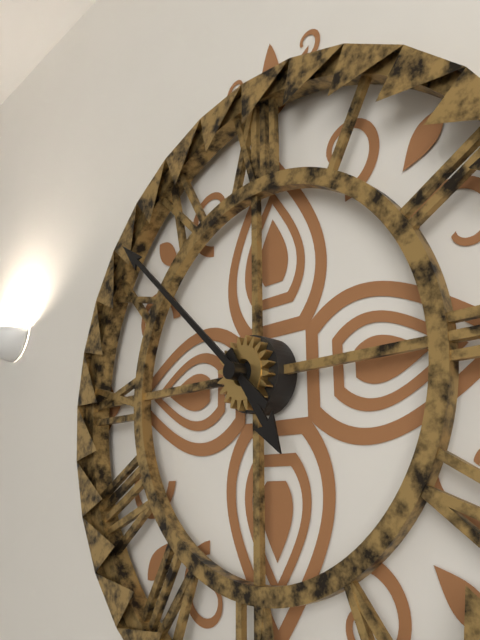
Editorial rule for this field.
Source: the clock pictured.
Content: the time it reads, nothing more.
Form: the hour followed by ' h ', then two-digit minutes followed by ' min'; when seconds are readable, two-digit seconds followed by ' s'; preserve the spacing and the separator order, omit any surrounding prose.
4 h 52 min
